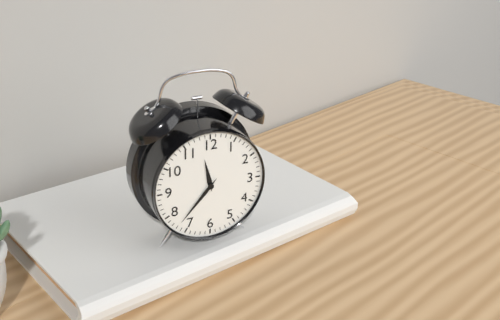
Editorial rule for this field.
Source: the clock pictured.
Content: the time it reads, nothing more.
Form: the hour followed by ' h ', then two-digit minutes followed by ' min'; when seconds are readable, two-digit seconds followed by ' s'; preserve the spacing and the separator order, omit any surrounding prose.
11 h 37 min
